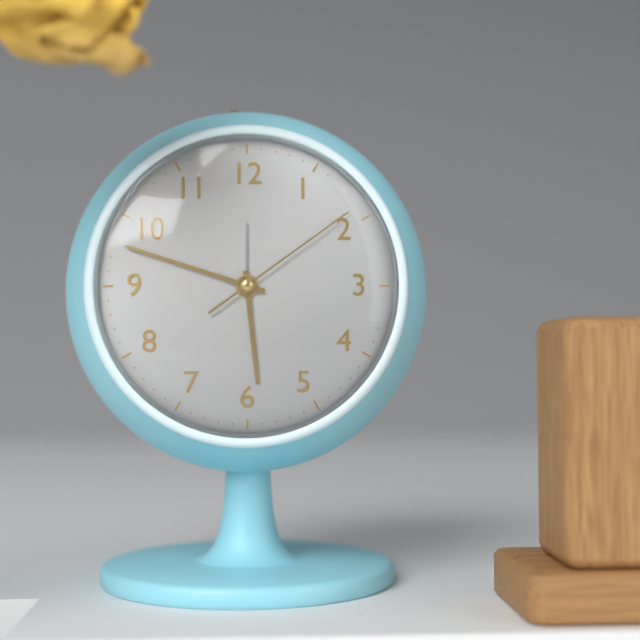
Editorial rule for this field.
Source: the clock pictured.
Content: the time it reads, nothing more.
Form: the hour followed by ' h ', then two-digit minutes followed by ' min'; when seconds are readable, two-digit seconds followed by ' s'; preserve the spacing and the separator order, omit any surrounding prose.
5 h 48 min 09 s
